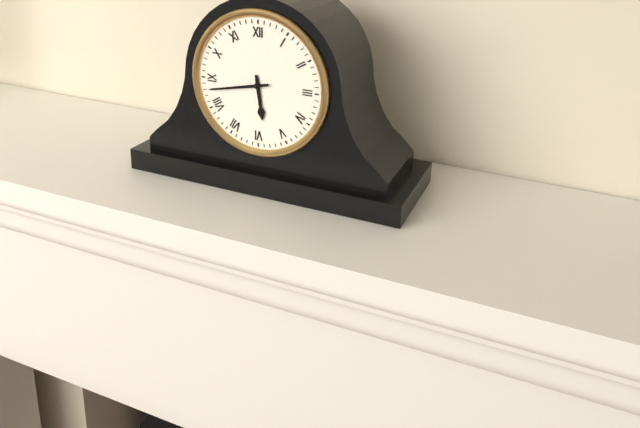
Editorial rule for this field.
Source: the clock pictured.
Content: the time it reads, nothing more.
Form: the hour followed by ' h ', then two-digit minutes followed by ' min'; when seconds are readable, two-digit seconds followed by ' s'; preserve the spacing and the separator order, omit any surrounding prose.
5 h 43 min
